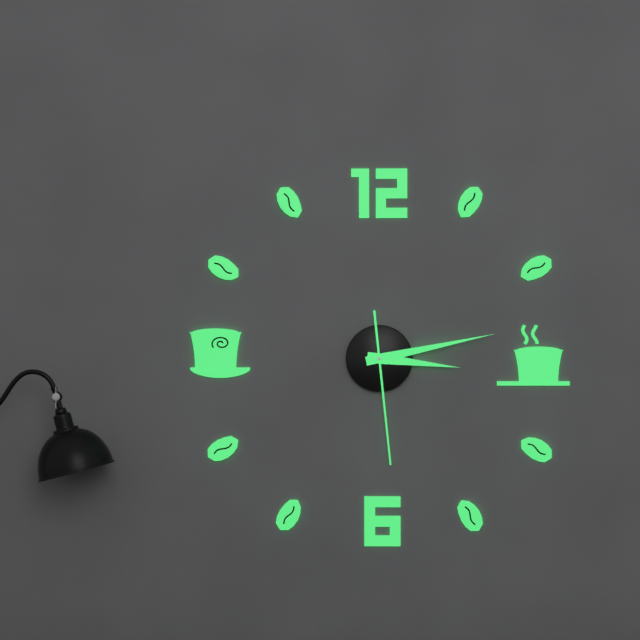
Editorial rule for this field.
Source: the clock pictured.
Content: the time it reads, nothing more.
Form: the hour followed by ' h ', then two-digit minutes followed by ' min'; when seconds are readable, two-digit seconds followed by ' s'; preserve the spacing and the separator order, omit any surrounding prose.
3 h 13 min 29 s
